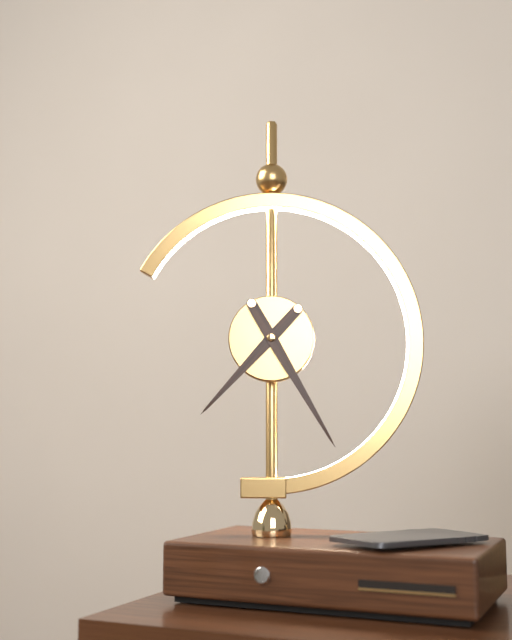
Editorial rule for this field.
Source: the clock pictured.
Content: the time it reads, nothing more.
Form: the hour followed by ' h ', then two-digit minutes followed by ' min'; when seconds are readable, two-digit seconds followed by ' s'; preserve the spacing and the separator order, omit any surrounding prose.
7 h 25 min
